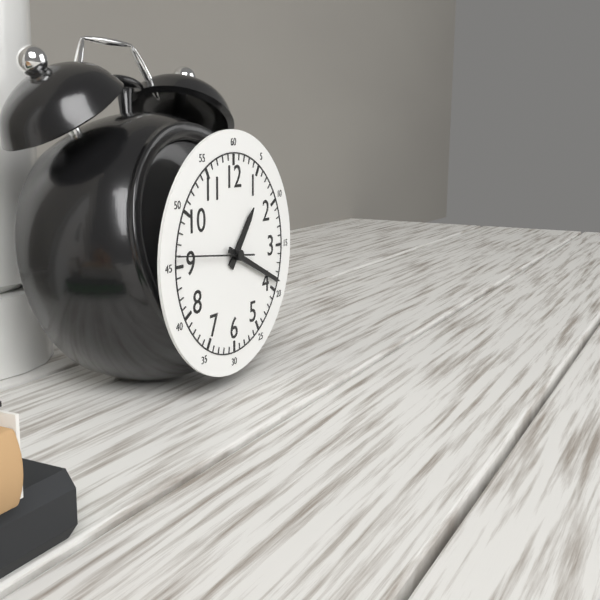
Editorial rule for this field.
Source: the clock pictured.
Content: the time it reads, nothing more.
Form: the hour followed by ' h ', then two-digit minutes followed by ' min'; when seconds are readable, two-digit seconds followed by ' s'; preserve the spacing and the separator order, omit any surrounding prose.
1 h 19 min 46 s
